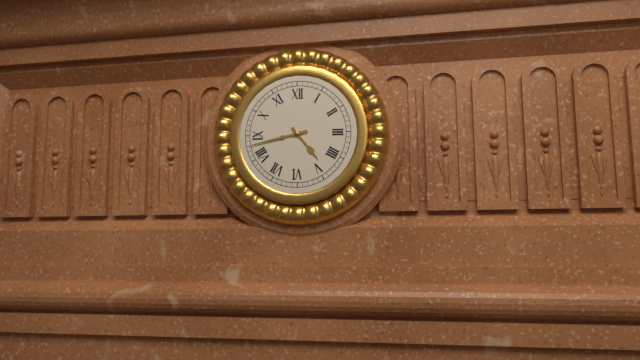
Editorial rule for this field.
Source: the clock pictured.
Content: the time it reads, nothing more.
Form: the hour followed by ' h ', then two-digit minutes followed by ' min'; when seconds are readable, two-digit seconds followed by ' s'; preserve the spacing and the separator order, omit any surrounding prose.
4 h 43 min
